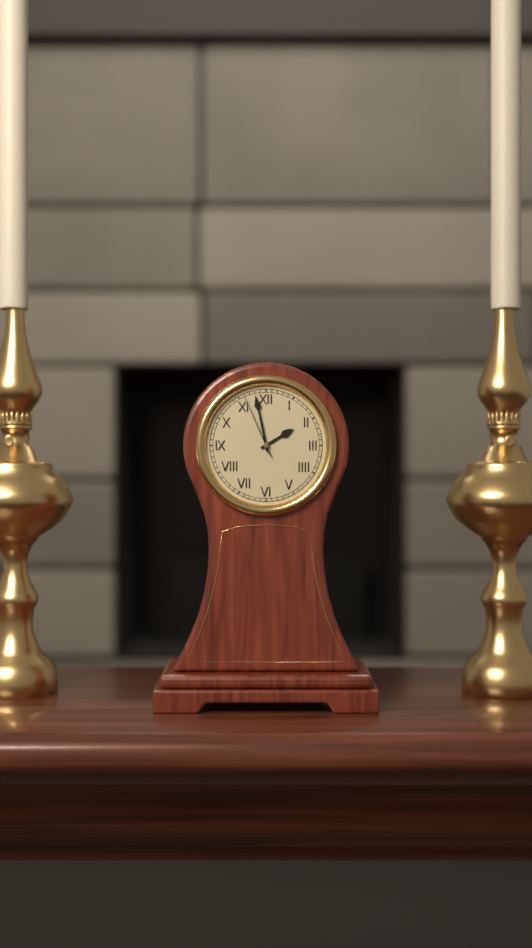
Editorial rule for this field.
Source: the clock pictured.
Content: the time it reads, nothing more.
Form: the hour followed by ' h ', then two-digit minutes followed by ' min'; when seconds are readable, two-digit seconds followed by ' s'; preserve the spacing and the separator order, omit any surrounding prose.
1 h 58 min 56 s
